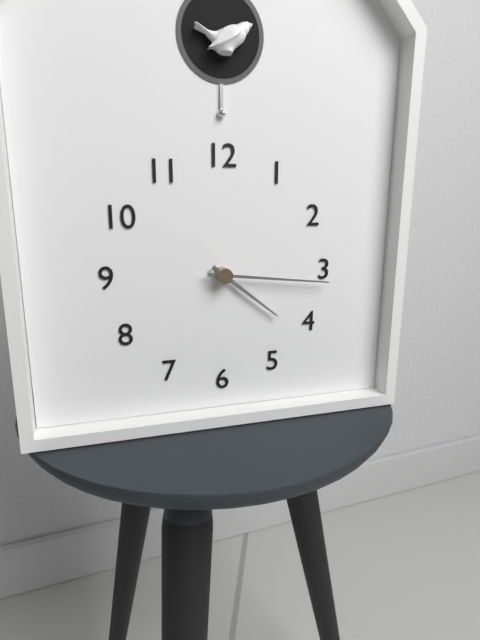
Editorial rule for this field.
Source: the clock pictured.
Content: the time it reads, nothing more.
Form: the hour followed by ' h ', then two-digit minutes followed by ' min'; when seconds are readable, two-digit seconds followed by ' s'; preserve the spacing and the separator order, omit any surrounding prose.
4 h 16 min
